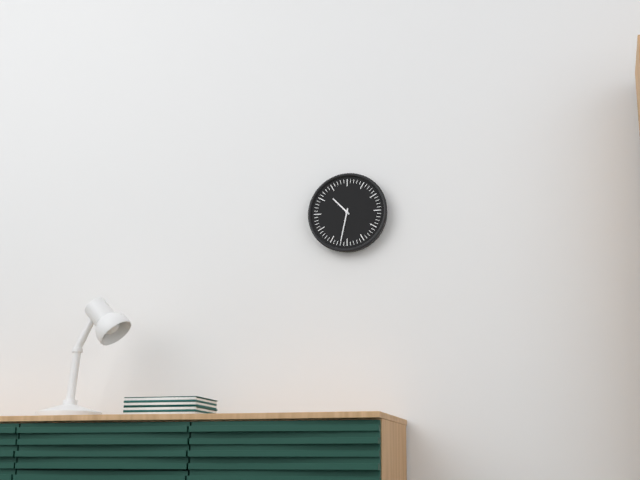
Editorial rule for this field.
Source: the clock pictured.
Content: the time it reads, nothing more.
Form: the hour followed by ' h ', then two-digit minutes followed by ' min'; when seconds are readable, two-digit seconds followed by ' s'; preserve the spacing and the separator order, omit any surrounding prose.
10 h 32 min
